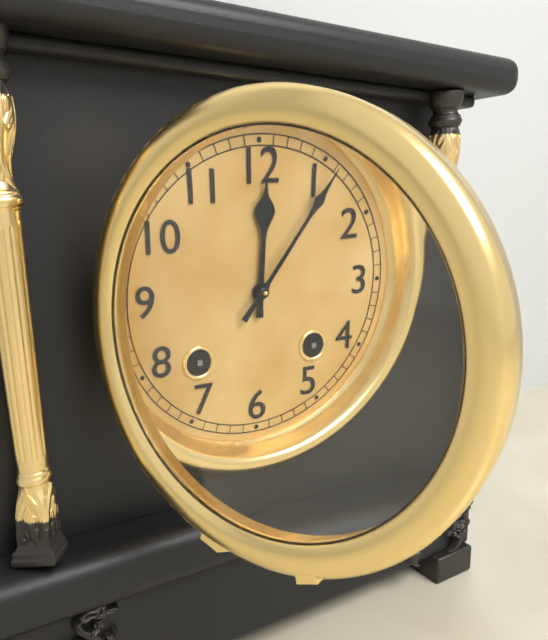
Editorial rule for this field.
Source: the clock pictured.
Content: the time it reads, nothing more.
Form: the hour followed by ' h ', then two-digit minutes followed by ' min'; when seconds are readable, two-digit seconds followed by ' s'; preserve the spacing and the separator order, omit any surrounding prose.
12 h 06 min
